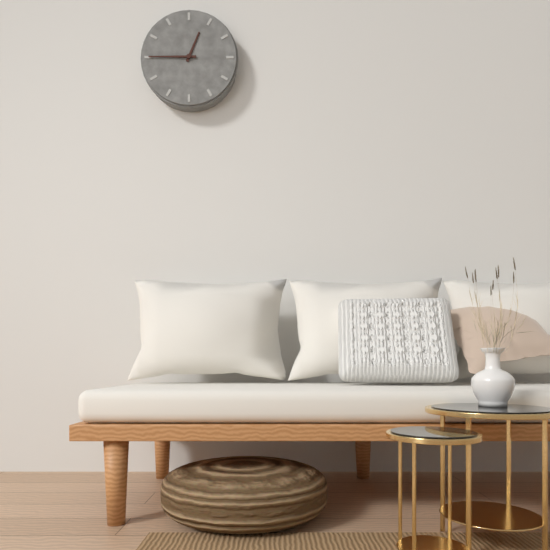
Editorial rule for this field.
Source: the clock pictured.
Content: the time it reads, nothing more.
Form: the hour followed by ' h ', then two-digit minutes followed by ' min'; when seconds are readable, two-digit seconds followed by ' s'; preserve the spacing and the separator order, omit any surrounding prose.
12 h 45 min
